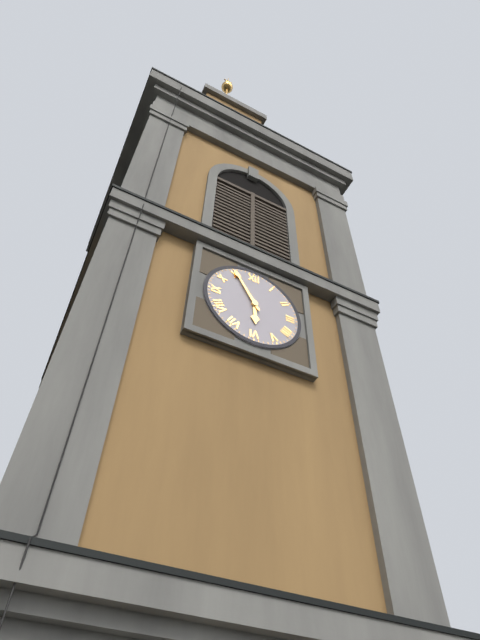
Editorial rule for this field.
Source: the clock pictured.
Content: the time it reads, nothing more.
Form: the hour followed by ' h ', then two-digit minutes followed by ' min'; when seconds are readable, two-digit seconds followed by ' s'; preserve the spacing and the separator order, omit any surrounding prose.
5 h 55 min
